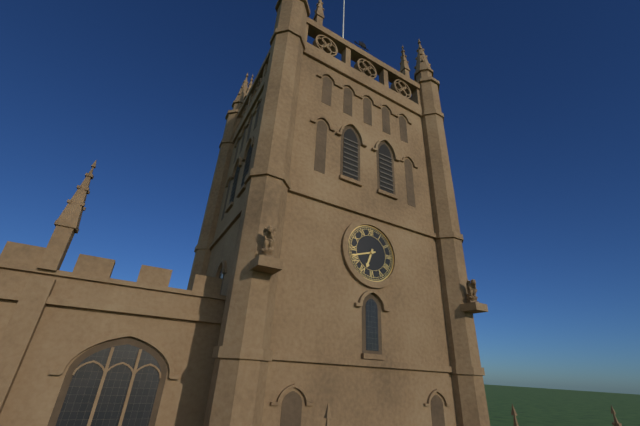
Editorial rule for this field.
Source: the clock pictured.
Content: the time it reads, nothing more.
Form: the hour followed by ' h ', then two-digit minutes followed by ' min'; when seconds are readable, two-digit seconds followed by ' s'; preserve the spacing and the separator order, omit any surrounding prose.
6 h 42 min
